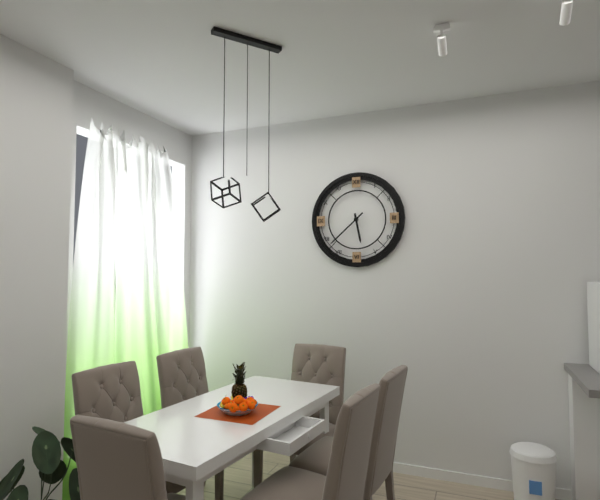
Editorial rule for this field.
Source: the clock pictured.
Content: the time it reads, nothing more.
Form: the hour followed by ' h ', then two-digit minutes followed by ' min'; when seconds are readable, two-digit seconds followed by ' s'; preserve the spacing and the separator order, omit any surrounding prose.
5 h 38 min
